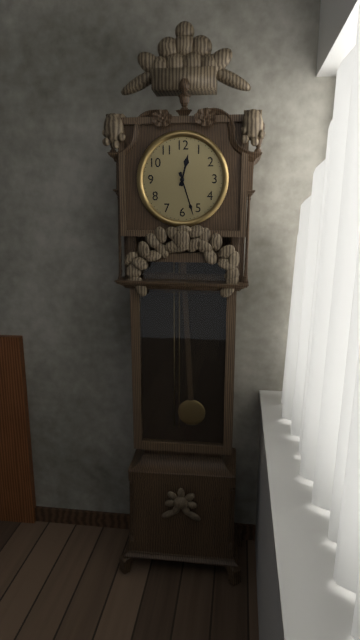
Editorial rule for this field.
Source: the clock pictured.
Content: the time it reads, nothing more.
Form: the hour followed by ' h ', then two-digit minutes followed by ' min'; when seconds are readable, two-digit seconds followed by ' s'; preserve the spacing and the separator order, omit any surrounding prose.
12 h 27 min
